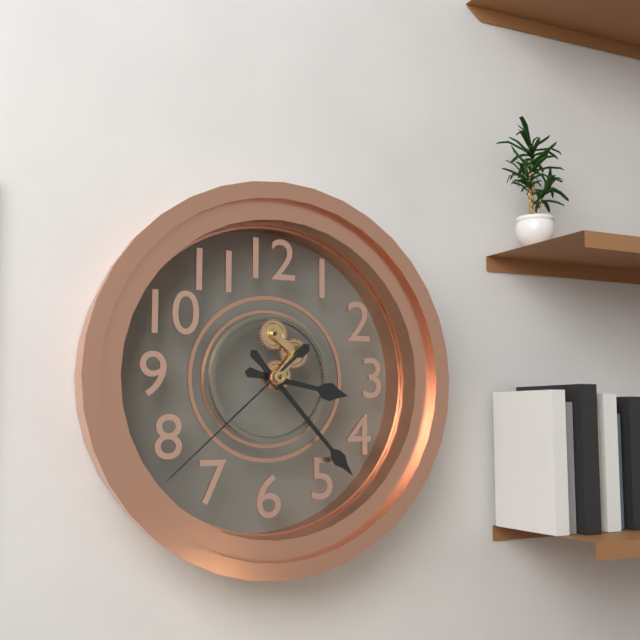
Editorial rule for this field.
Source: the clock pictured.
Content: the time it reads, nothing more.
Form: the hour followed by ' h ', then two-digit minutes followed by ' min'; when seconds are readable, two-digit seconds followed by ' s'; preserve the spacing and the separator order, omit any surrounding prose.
3 h 23 min 38 s
